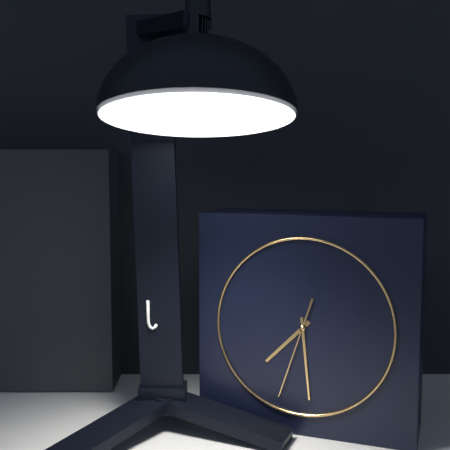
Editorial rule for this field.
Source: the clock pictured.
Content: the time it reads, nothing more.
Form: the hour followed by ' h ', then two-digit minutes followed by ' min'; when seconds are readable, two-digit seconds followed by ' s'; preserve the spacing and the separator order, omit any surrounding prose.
7 h 29 min 33 s
